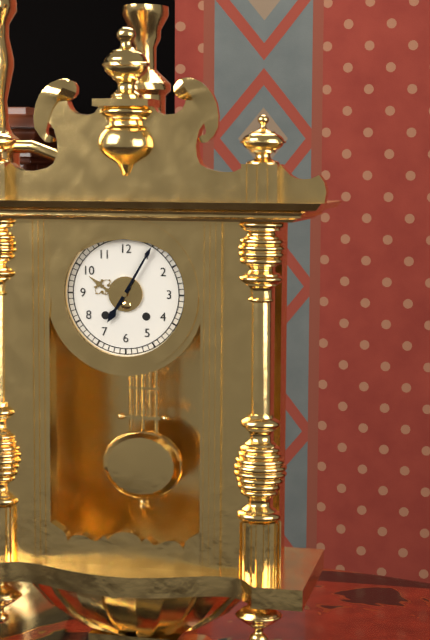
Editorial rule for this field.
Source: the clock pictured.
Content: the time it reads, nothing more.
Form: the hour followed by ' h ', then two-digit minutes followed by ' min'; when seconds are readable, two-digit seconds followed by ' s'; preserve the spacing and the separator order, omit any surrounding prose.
7 h 05 min
